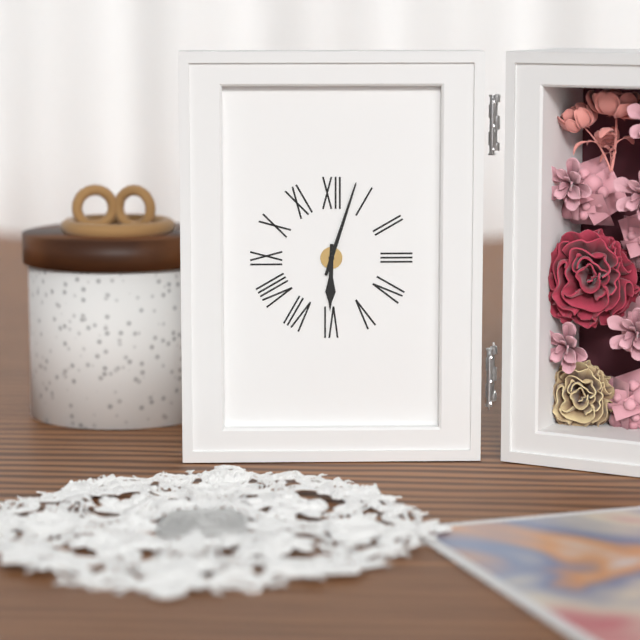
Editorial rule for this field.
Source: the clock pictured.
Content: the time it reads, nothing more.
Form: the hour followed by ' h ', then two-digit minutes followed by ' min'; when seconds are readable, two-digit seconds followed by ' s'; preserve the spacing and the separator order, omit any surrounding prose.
6 h 03 min
